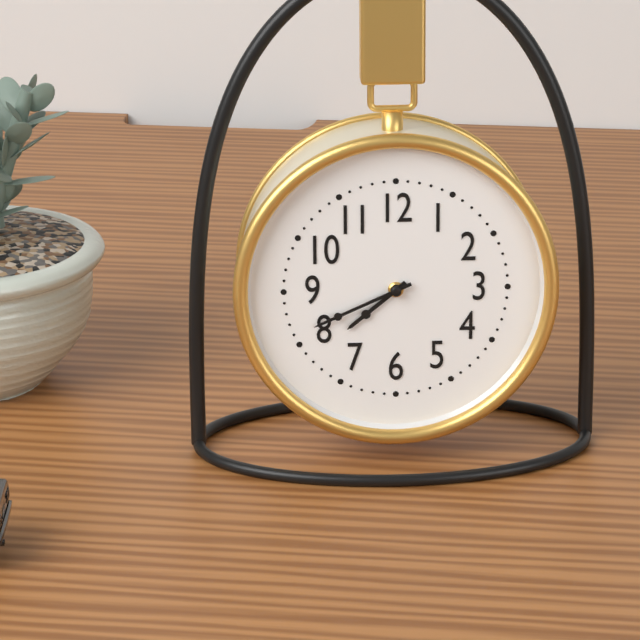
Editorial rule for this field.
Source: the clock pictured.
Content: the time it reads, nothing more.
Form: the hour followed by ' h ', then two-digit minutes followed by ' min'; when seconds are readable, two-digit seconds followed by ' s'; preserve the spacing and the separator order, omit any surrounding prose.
7 h 41 min
